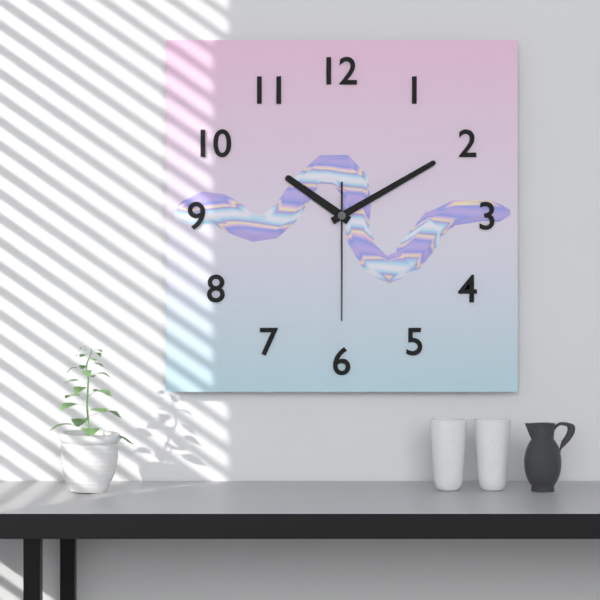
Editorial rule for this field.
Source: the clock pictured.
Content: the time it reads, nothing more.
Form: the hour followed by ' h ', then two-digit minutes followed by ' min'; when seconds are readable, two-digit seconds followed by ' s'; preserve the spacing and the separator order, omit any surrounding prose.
10 h 10 min 30 s
